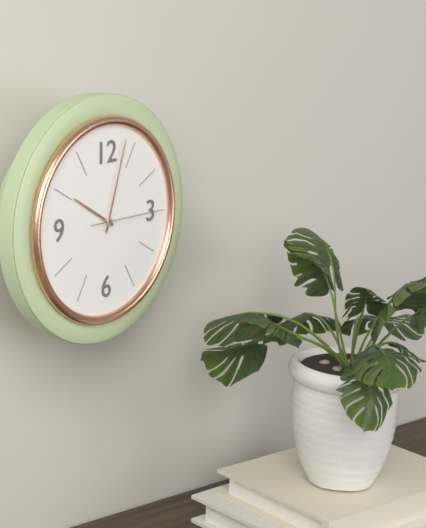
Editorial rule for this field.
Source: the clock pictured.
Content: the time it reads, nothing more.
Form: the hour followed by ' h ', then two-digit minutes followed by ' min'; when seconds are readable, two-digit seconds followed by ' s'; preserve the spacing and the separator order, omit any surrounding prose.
10 h 03 min 15 s
